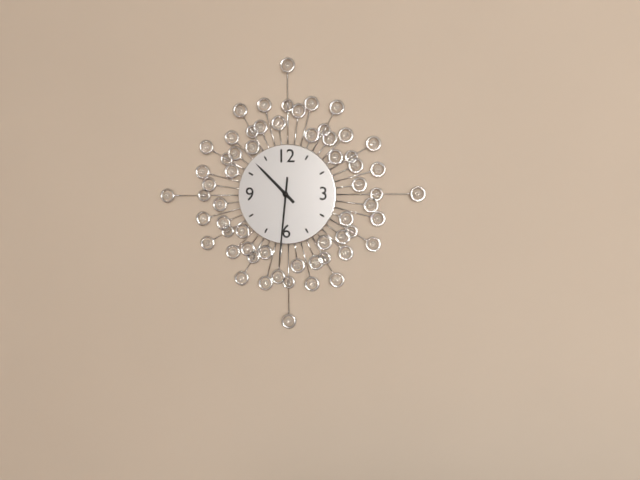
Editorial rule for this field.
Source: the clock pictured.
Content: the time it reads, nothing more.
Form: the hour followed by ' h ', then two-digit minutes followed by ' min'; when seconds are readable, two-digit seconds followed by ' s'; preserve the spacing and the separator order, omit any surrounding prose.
10 h 31 min
